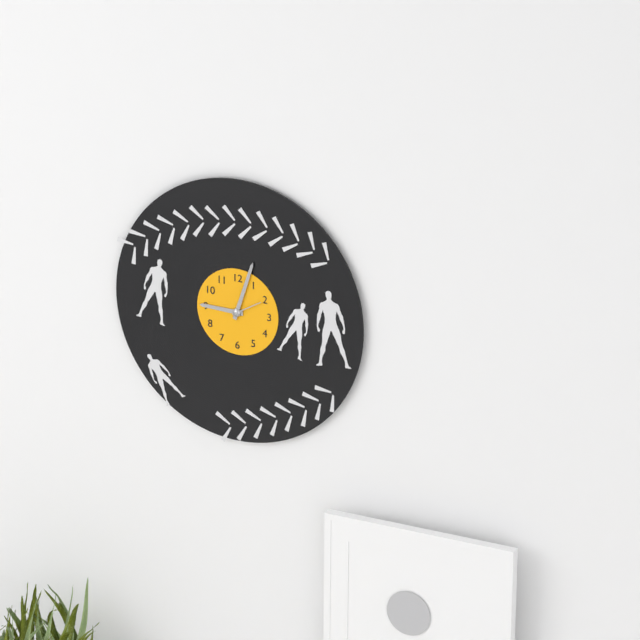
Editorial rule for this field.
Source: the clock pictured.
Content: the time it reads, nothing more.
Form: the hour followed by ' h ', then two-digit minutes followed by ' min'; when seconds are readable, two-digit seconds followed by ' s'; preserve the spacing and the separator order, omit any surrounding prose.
9 h 03 min
